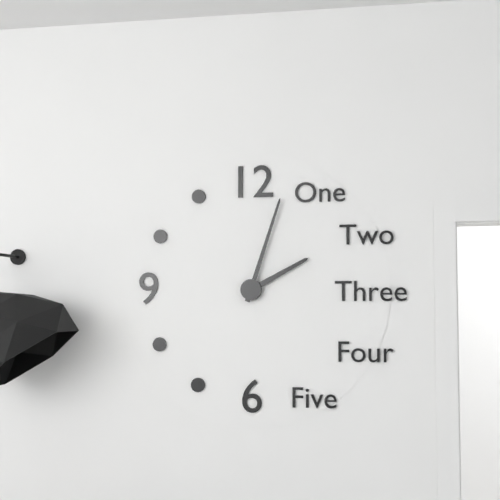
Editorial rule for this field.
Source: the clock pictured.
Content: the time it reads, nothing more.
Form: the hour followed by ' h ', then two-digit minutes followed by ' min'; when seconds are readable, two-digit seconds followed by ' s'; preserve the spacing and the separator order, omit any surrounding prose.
2 h 03 min
